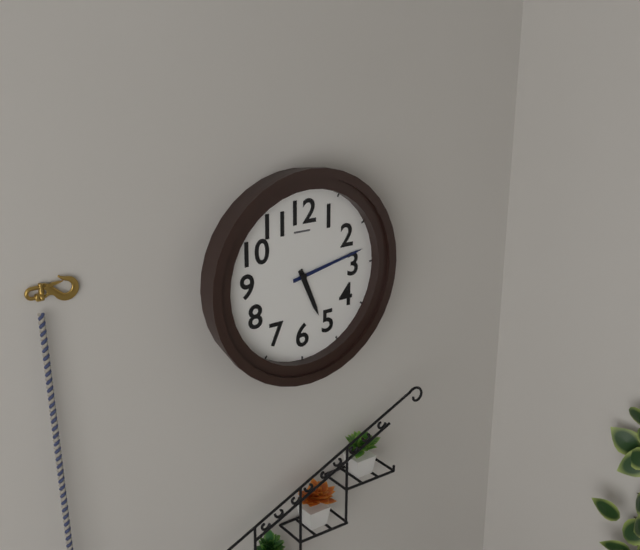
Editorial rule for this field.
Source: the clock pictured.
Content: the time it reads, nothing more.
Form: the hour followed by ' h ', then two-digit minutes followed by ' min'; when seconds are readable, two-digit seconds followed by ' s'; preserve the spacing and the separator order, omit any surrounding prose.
5 h 13 min
